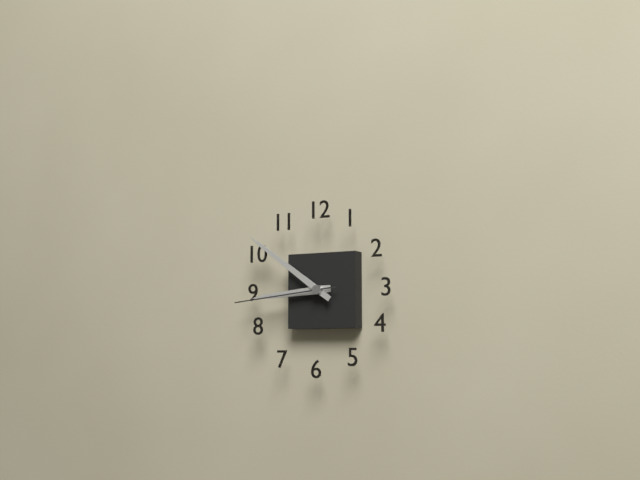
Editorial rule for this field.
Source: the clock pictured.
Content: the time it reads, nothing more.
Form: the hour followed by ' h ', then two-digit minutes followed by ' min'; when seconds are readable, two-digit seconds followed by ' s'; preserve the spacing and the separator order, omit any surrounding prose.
8 h 51 min 44 s
